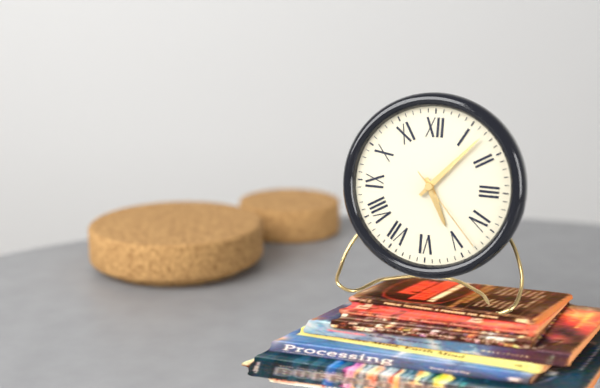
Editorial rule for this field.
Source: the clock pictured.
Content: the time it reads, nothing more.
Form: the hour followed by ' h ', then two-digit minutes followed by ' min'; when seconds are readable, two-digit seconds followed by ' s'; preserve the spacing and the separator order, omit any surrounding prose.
5 h 07 min 23 s
